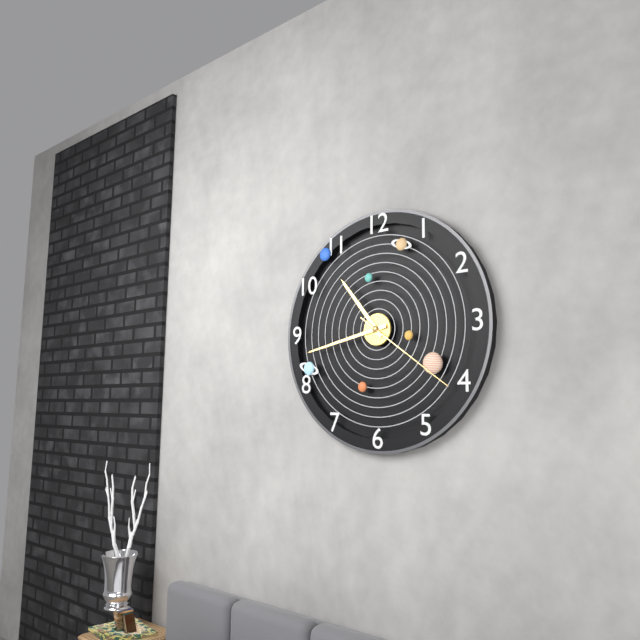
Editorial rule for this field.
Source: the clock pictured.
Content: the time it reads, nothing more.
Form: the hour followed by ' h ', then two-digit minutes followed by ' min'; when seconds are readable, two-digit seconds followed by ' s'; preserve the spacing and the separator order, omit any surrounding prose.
10 h 43 min 21 s
